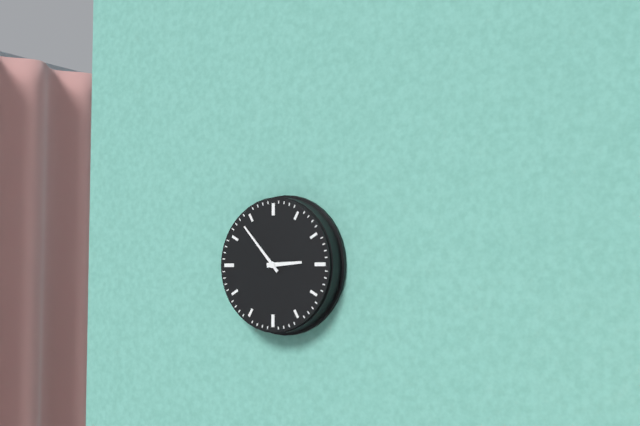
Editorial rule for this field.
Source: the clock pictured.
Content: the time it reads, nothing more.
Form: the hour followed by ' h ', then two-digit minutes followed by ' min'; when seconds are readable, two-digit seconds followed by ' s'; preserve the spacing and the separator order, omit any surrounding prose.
2 h 53 min
